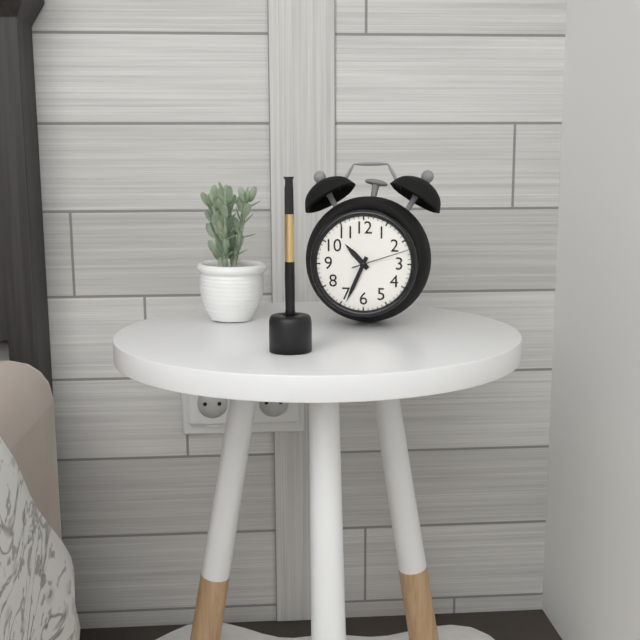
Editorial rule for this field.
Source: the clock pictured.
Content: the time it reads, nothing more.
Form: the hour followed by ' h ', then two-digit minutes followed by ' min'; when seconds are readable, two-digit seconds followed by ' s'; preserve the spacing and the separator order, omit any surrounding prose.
10 h 34 min 12 s
